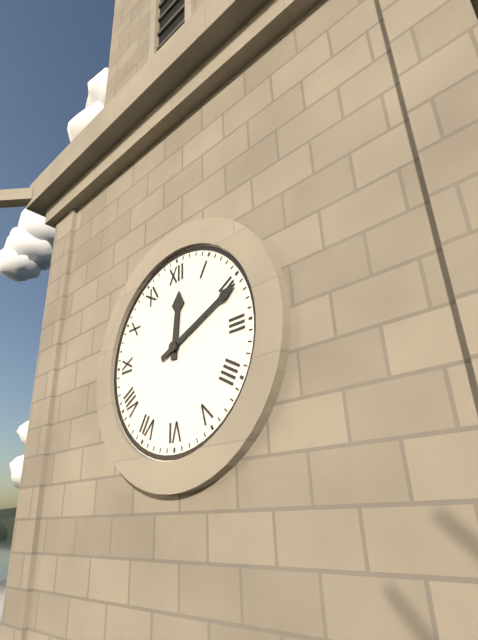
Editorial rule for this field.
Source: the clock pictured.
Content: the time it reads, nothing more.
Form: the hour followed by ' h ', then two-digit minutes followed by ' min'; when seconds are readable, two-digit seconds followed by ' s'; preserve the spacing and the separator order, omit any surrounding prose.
12 h 11 min
